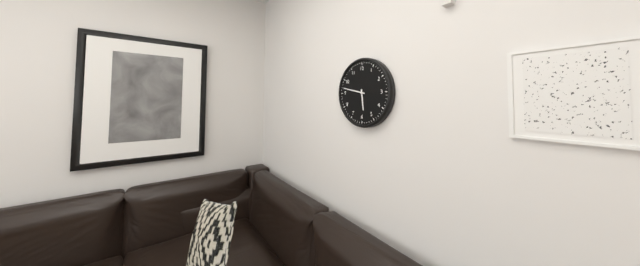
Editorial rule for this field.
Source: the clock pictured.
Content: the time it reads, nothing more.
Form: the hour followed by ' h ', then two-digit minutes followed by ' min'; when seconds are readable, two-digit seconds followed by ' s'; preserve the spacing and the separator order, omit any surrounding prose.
5 h 47 min
